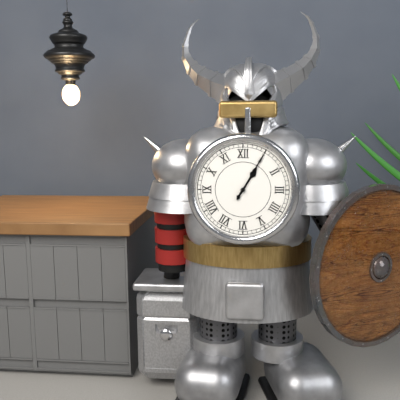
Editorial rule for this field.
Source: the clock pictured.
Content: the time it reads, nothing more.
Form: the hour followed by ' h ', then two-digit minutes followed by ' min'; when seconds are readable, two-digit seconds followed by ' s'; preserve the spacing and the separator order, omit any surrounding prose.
1 h 05 min
